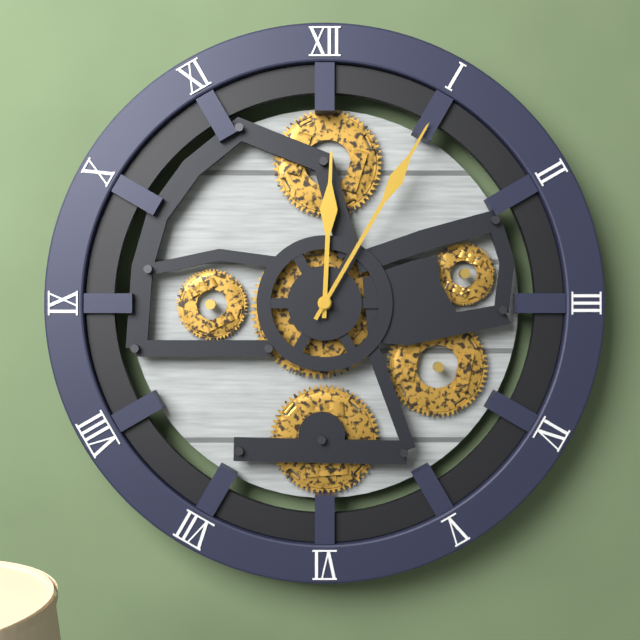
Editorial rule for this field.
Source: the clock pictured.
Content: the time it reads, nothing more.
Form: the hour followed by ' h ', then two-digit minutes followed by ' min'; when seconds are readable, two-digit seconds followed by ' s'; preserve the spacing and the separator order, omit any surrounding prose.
12 h 05 min
